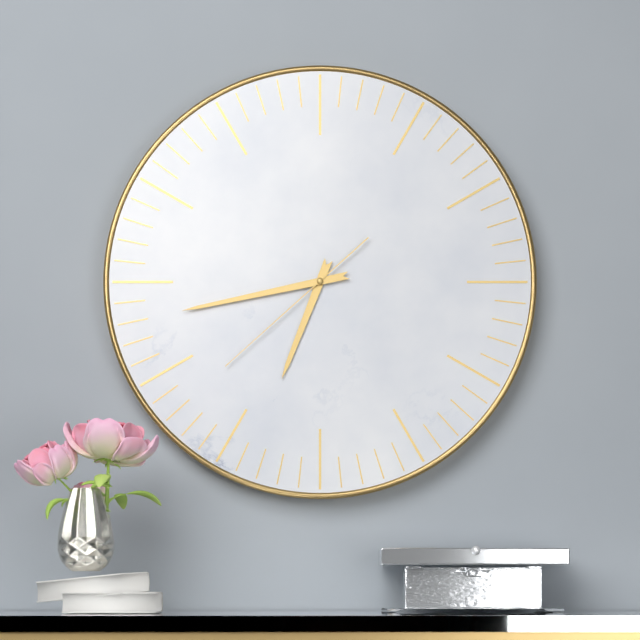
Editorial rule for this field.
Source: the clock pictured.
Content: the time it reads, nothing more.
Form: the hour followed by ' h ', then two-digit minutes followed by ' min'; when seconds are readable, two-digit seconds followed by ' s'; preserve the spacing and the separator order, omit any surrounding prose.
6 h 43 min 38 s
